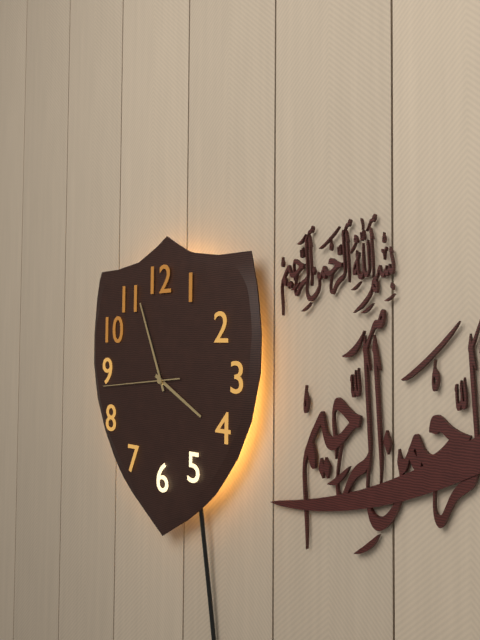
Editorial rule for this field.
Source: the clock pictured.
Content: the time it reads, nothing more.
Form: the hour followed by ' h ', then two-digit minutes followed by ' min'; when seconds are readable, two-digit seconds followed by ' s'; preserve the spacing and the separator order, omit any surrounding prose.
3 h 56 min 44 s
